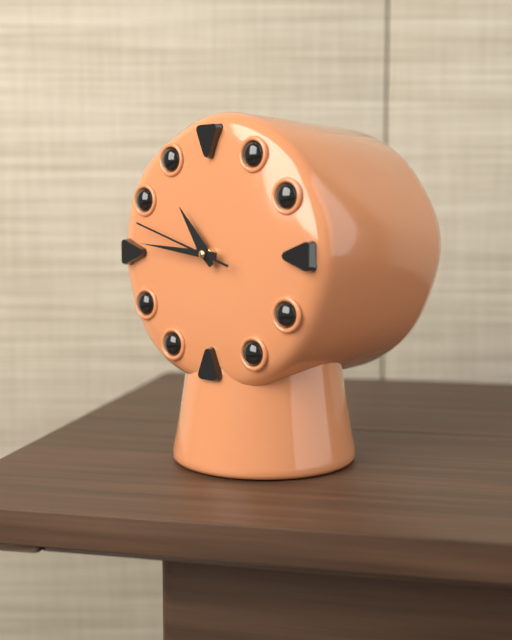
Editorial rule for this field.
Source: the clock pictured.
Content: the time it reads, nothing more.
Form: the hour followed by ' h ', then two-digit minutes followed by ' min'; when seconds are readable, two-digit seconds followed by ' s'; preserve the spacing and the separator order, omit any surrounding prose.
10 h 46 min 48 s
